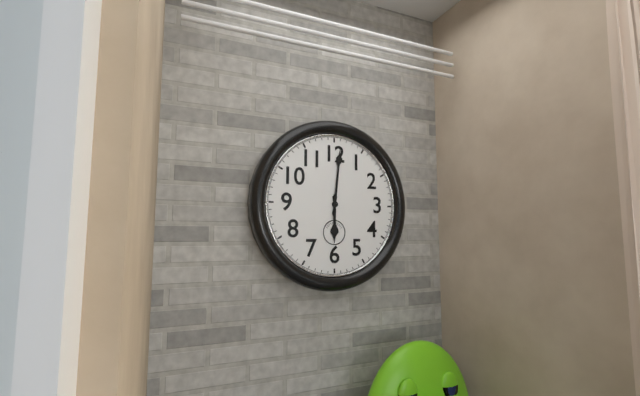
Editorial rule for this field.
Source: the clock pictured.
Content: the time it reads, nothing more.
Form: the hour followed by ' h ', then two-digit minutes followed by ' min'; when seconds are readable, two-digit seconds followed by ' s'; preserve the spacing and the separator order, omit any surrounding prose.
6 h 01 min
